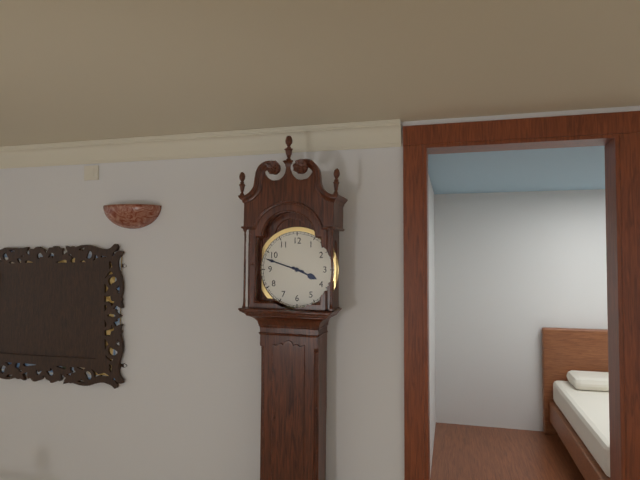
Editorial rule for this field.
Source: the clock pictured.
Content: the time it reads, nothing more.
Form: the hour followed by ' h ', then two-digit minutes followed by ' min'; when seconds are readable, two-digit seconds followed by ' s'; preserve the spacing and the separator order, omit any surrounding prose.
3 h 48 min
